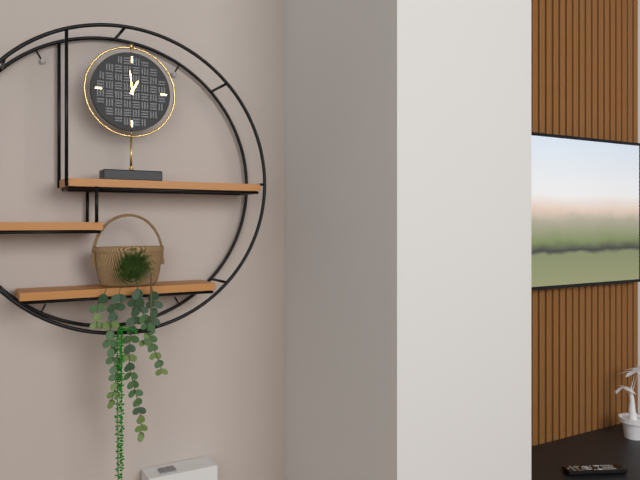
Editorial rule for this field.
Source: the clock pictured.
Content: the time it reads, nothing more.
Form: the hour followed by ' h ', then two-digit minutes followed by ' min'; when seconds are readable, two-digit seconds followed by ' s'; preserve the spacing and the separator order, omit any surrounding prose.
12 h 59 min
